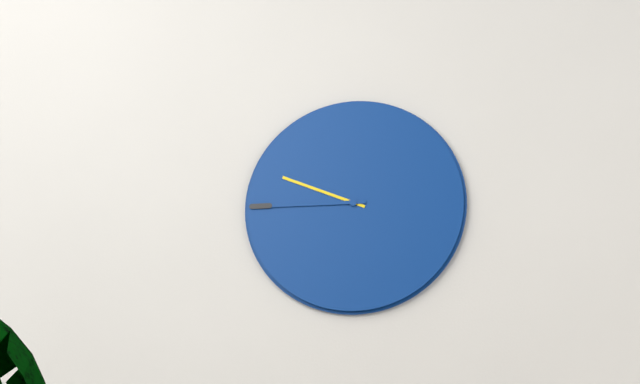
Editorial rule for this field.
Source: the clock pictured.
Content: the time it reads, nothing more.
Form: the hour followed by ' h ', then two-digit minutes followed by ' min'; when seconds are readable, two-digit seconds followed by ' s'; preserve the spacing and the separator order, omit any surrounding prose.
9 h 45 min
